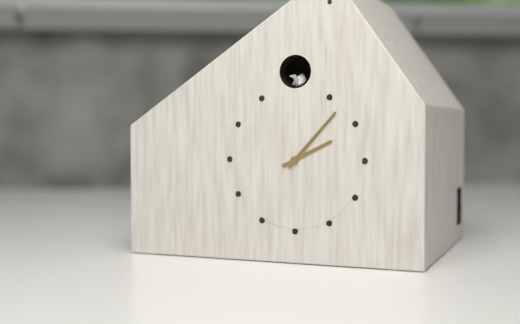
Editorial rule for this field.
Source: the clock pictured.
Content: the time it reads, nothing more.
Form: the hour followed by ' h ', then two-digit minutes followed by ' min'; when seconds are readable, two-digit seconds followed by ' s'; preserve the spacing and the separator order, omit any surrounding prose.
2 h 07 min
